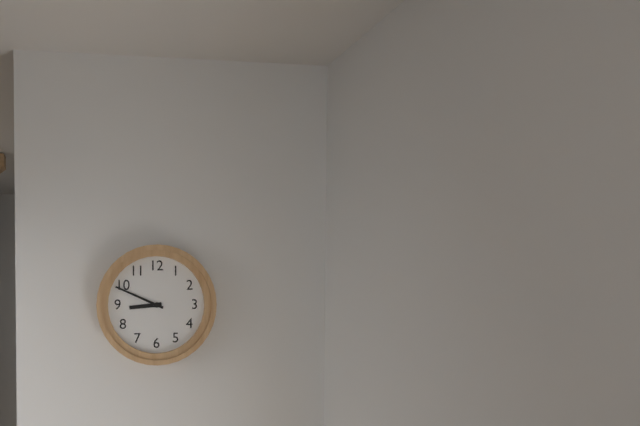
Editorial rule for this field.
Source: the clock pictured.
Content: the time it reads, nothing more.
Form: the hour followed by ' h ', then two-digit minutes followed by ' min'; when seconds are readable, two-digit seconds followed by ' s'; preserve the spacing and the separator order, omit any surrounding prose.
8 h 49 min
